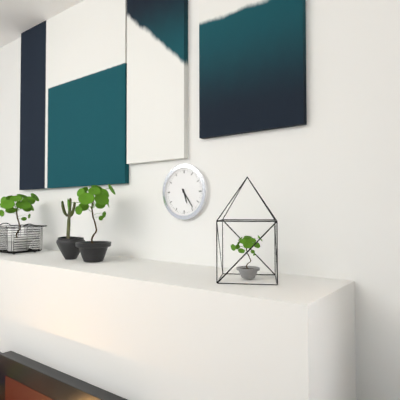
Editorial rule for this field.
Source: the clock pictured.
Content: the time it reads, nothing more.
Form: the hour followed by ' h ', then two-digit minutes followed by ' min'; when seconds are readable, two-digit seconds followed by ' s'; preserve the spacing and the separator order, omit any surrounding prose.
5 h 24 min
